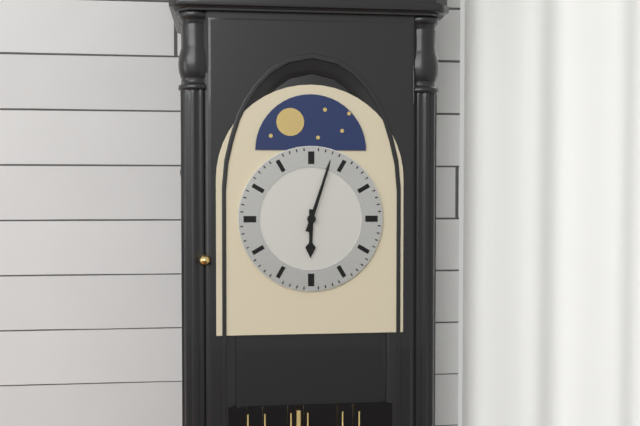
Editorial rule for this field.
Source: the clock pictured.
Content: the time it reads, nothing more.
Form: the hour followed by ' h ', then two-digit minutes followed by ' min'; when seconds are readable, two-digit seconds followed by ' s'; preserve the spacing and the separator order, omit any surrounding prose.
6 h 03 min
